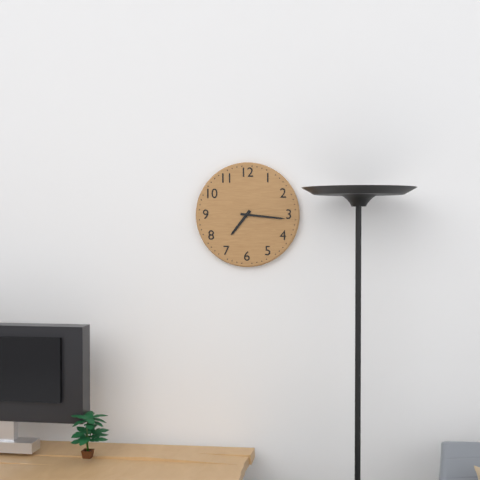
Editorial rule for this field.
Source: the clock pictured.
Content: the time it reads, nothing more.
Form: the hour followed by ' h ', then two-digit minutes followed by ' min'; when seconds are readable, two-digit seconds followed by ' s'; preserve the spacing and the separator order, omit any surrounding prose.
7 h 16 min
